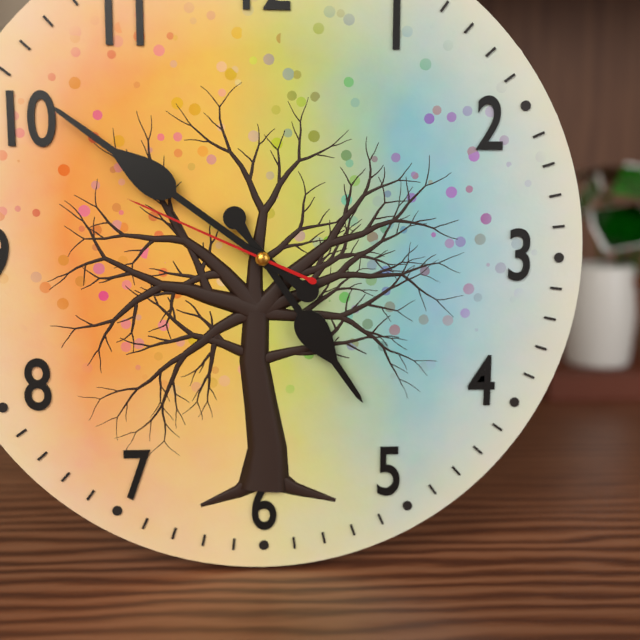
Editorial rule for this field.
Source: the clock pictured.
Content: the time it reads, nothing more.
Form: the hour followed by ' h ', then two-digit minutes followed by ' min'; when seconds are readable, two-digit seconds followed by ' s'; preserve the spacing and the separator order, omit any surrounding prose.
4 h 51 min 49 s
